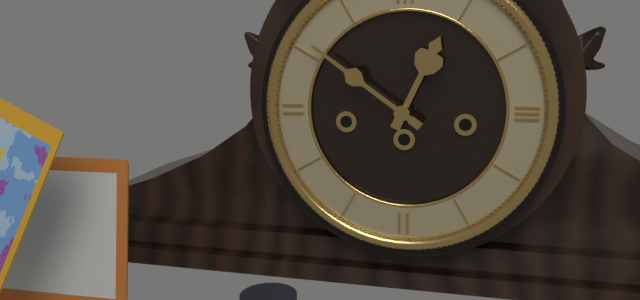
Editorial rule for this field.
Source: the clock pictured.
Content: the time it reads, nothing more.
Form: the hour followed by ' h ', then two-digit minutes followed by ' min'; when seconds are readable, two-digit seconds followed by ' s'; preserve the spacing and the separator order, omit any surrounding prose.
12 h 51 min
